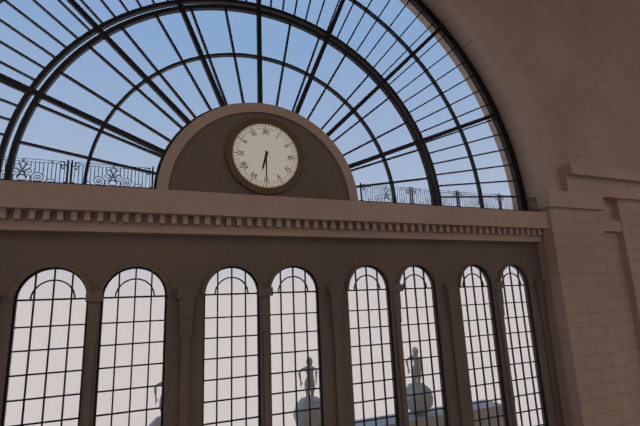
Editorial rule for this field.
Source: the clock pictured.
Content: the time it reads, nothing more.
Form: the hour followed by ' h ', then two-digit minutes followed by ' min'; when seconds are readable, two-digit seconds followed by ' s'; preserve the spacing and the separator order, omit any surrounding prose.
6 h 30 min
